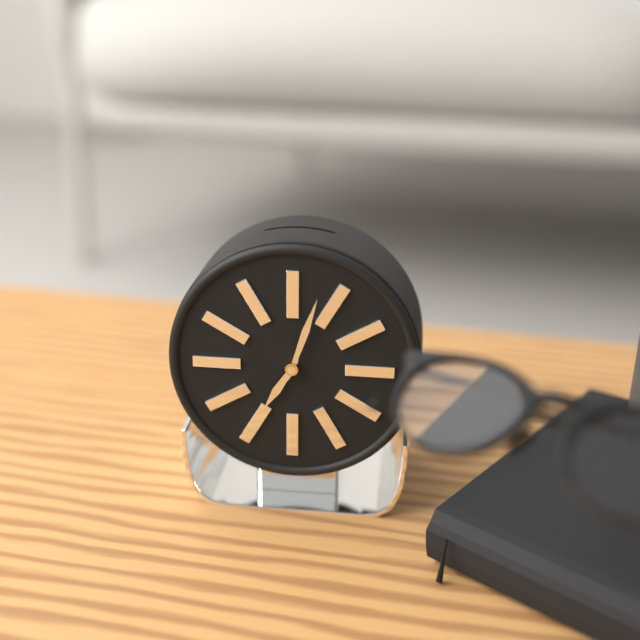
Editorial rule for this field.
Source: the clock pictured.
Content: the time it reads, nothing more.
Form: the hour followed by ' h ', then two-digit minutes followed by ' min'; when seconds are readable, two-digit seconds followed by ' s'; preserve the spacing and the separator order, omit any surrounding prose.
7 h 03 min
